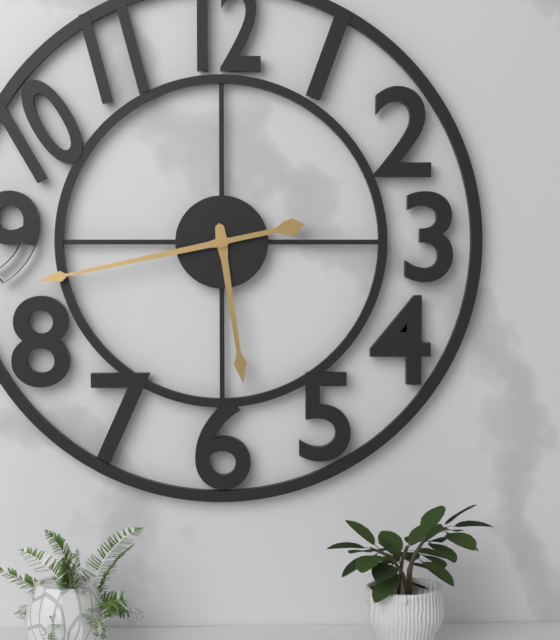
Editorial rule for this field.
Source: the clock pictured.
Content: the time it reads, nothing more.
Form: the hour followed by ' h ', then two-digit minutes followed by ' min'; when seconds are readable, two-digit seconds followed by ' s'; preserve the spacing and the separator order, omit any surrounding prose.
5 h 43 min
